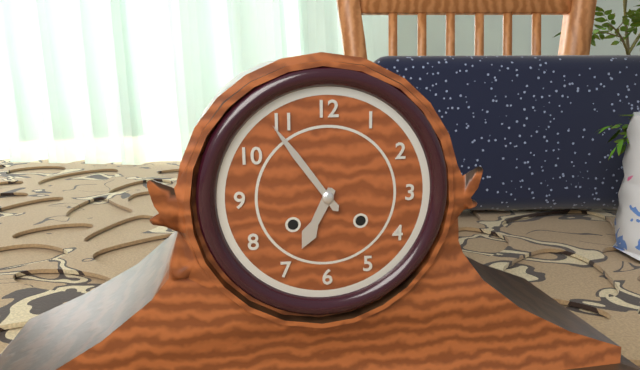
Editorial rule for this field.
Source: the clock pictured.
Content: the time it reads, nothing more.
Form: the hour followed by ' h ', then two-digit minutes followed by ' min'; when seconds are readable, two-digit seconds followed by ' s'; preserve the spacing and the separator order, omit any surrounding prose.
6 h 54 min
